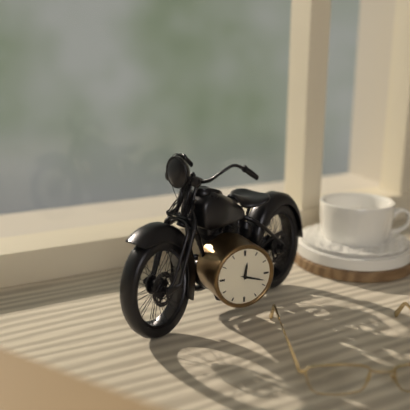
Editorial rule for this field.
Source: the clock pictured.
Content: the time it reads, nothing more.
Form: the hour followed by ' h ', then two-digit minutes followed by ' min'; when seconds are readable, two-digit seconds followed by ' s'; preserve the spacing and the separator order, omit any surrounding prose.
12 h 18 min
